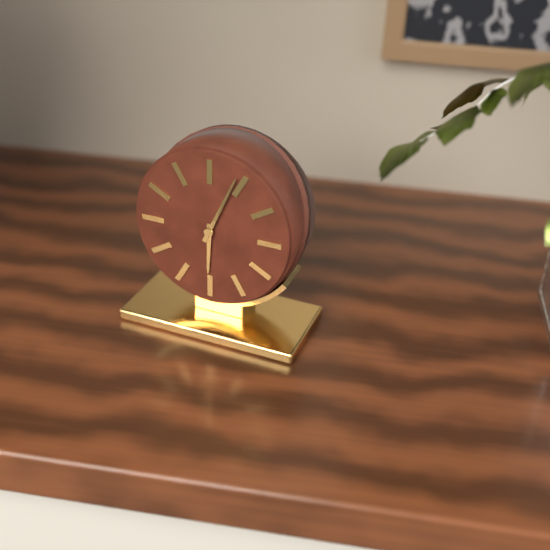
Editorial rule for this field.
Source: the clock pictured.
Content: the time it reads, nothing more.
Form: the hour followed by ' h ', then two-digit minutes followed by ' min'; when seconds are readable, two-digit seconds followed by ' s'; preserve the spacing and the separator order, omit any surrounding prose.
6 h 04 min
